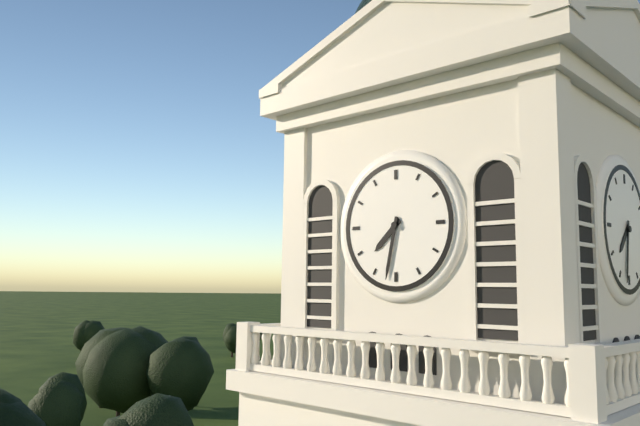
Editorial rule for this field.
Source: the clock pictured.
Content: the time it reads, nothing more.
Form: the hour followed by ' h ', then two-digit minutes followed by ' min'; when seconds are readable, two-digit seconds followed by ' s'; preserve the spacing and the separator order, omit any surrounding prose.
7 h 32 min
